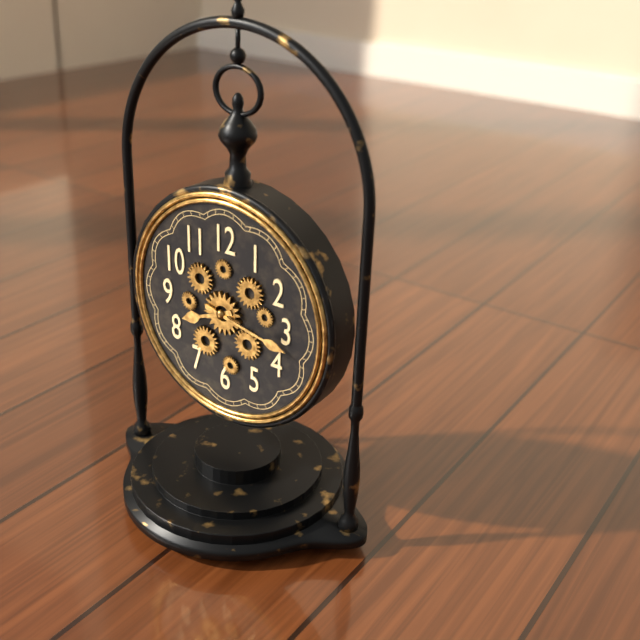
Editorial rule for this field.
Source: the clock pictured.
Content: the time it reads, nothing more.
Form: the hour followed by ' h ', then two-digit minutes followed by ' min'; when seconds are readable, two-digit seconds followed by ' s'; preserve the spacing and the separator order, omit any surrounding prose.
8 h 17 min
